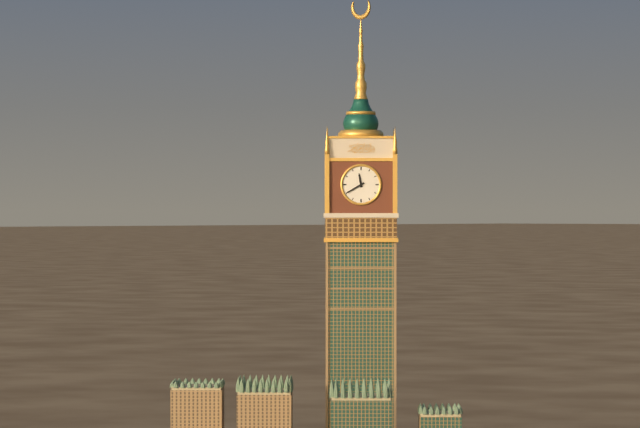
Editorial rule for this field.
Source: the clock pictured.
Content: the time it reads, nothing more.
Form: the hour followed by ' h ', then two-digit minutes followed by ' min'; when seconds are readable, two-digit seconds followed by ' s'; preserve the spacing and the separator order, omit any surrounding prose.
11 h 40 min
